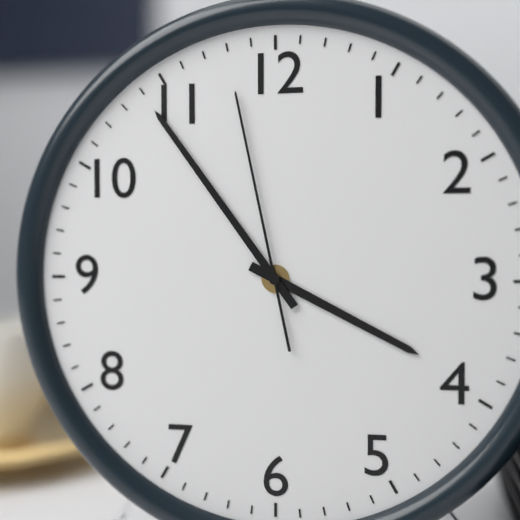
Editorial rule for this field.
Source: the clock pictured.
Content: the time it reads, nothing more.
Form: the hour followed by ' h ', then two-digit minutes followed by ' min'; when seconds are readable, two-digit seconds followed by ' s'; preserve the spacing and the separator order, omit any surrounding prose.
3 h 54 min 58 s
